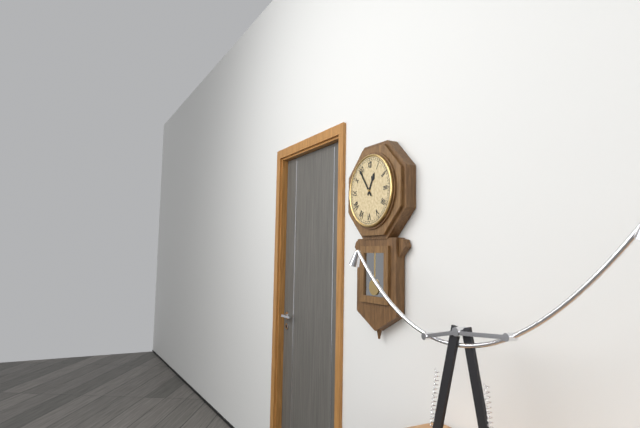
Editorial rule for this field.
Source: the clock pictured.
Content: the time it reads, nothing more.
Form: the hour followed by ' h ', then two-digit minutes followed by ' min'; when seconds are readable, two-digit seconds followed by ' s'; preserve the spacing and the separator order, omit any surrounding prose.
12 h 54 min
